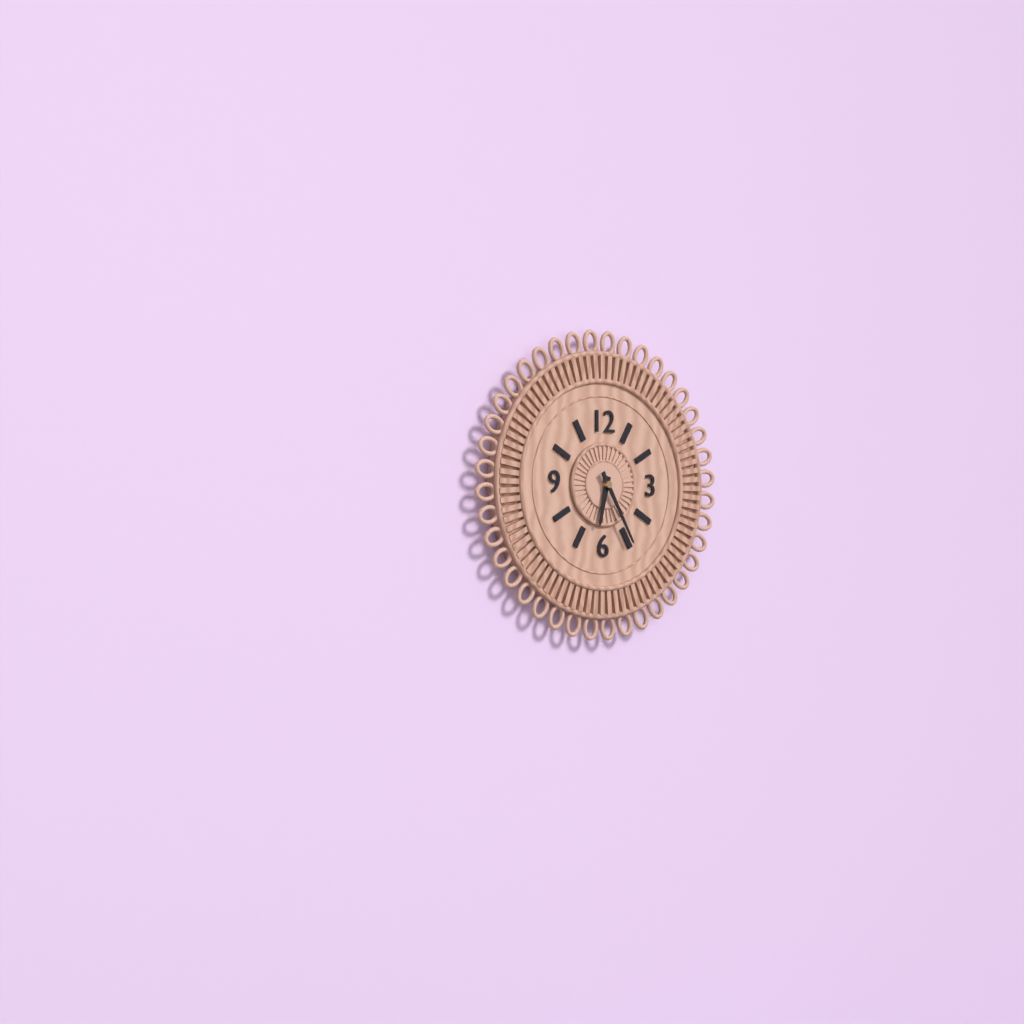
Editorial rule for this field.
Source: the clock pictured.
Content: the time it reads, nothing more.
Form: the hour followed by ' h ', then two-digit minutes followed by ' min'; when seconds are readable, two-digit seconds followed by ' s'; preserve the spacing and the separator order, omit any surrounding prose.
6 h 25 min
